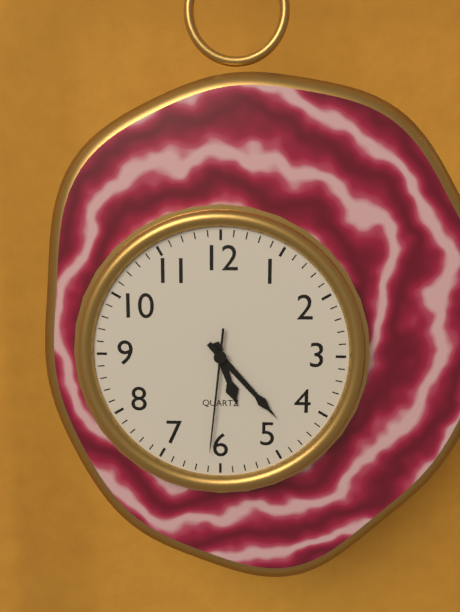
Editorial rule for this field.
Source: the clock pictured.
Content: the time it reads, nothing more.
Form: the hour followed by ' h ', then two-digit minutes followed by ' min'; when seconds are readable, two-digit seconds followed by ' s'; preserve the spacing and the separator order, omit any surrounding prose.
5 h 23 min 31 s
